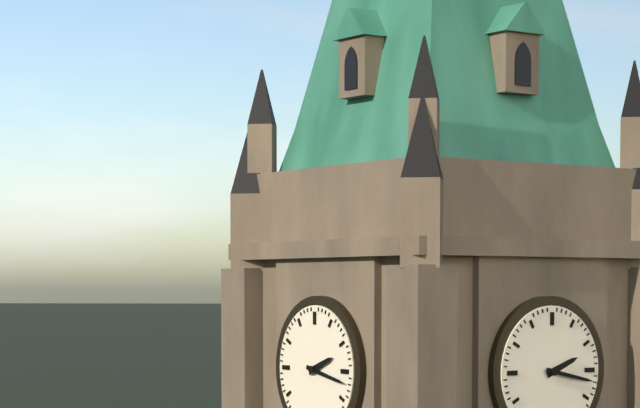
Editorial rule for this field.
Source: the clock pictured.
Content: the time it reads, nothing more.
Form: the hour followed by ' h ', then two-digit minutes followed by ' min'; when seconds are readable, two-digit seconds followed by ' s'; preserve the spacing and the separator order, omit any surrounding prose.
2 h 17 min
